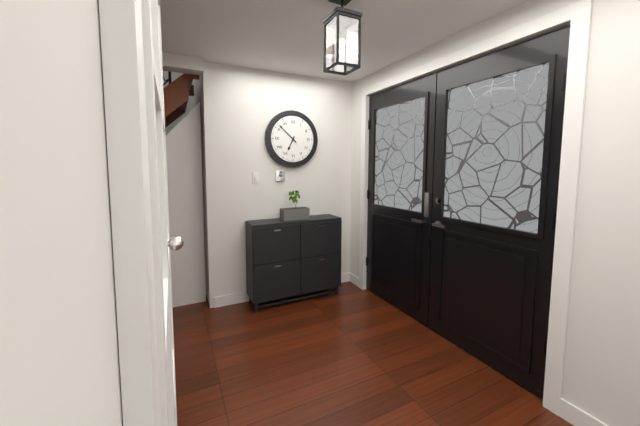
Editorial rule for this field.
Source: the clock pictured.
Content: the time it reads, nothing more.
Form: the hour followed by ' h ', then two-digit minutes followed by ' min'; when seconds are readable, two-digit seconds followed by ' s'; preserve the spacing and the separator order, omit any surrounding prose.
6 h 52 min
